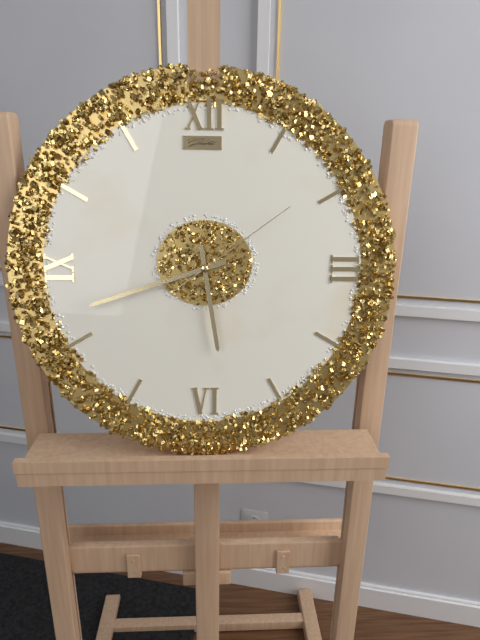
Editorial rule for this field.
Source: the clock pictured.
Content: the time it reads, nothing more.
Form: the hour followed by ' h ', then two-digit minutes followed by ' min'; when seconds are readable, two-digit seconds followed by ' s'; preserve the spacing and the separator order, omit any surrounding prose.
5 h 42 min 09 s
